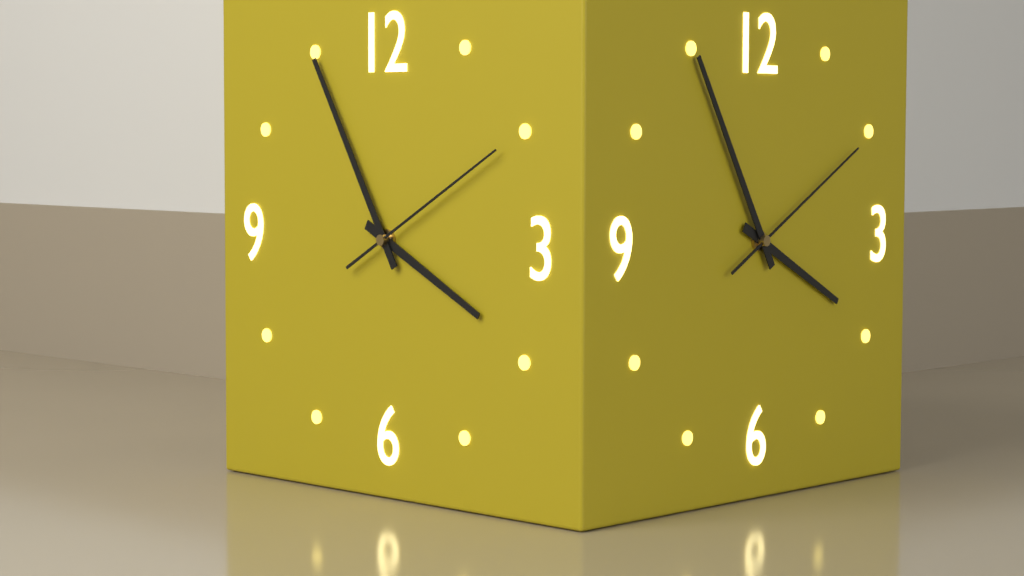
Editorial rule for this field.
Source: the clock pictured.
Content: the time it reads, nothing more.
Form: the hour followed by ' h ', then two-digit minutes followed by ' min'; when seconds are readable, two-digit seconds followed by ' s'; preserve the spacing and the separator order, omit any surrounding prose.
3 h 55 min 10 s
